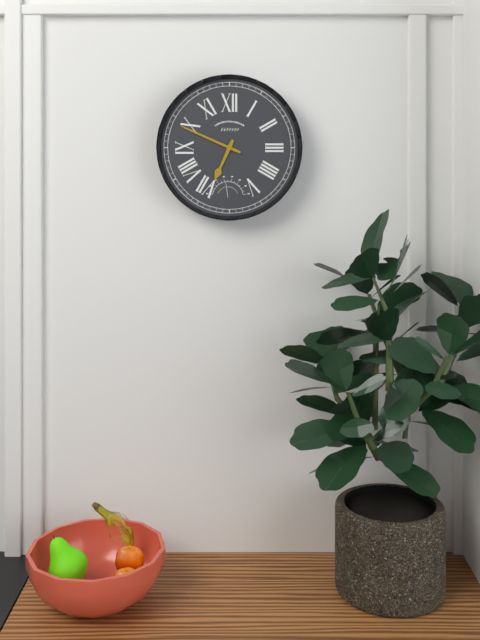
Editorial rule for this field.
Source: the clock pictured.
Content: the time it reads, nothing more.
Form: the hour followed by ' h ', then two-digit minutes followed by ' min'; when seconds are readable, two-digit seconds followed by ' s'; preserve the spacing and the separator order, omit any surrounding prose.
6 h 49 min
